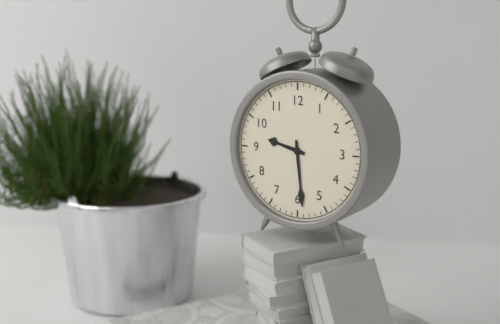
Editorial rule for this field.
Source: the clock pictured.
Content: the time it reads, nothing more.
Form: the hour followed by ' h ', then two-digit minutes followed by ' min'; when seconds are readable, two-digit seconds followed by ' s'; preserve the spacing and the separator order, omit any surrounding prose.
9 h 29 min
